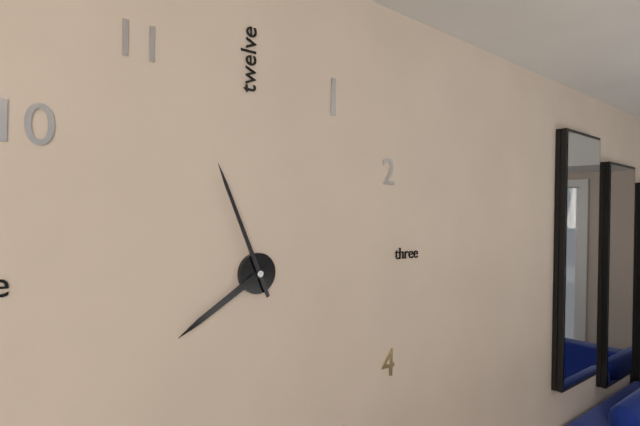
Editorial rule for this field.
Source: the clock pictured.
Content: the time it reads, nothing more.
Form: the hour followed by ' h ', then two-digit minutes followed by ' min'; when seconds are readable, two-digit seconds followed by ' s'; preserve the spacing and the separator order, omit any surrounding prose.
7 h 56 min
